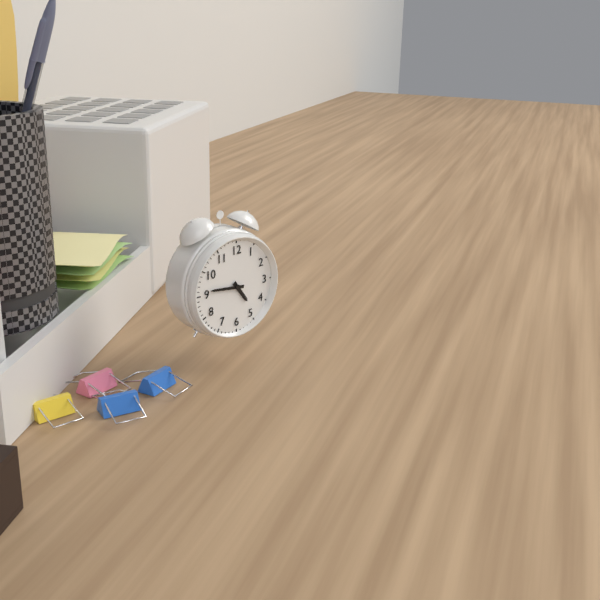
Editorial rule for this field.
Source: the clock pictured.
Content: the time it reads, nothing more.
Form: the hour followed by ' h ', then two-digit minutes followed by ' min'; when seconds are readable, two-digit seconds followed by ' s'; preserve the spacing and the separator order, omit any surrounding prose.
4 h 46 min
